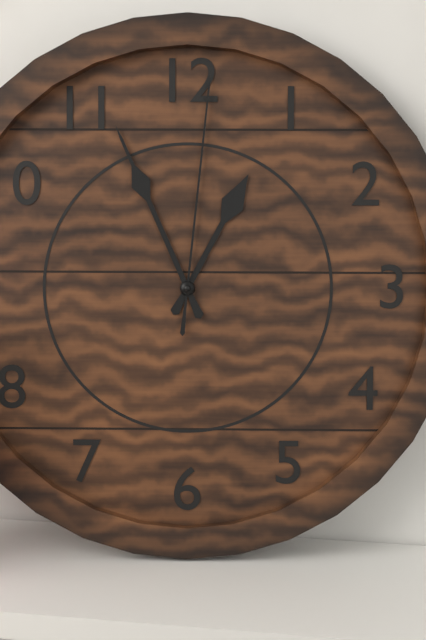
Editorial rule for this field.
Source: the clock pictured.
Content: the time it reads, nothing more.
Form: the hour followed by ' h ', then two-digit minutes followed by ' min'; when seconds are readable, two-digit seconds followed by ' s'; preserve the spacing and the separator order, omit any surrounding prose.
12 h 56 min 01 s
